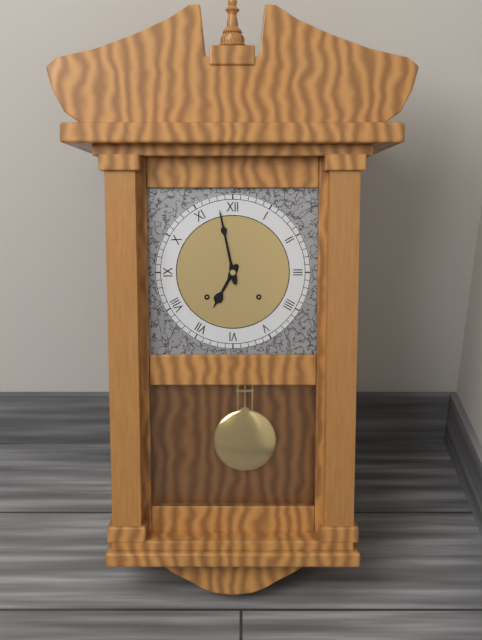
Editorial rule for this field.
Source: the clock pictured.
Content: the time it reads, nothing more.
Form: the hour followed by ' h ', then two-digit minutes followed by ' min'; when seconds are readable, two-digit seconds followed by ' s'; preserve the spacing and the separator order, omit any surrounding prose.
6 h 58 min
